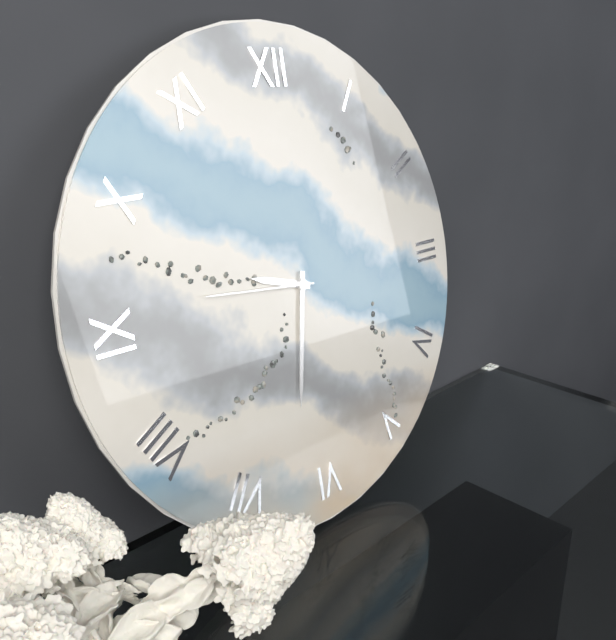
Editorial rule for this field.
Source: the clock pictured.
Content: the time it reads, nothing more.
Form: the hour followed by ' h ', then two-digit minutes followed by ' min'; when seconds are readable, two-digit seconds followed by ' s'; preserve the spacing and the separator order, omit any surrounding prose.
9 h 32 min 46 s
